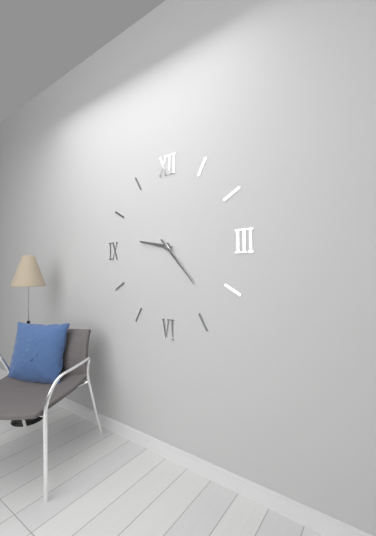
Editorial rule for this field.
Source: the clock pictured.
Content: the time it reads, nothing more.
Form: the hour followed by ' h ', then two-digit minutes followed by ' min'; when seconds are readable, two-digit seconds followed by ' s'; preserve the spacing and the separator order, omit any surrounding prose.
9 h 23 min
